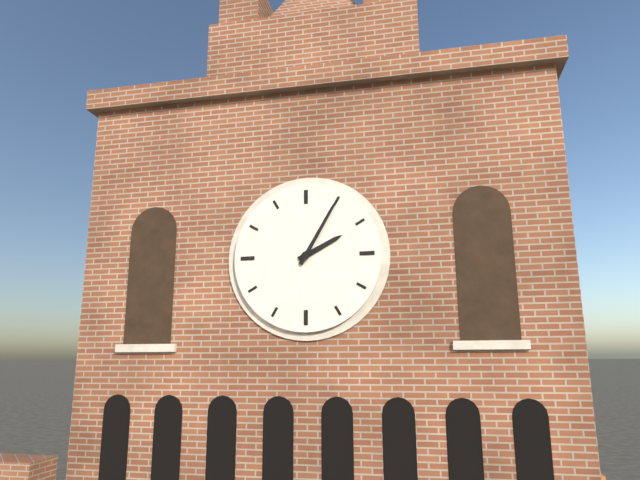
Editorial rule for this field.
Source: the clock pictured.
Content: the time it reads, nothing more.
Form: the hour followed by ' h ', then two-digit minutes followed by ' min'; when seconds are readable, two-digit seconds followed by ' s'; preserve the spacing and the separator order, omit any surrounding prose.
2 h 05 min
